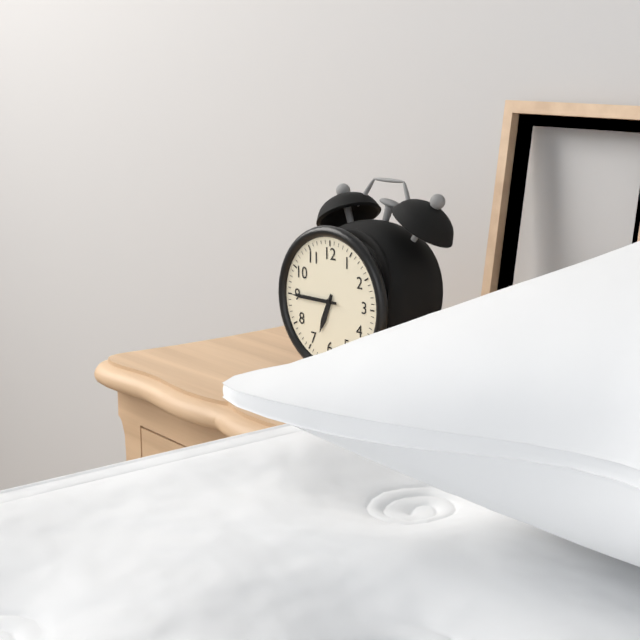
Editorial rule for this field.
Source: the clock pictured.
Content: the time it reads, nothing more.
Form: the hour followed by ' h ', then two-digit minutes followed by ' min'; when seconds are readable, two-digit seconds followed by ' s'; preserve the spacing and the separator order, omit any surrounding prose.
6 h 45 min
